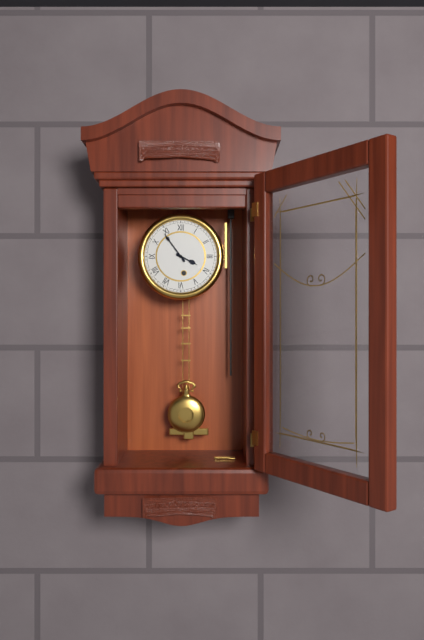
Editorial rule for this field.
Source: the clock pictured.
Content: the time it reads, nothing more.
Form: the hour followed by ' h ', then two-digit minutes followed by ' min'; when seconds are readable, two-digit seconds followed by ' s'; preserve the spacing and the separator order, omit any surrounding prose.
3 h 54 min
